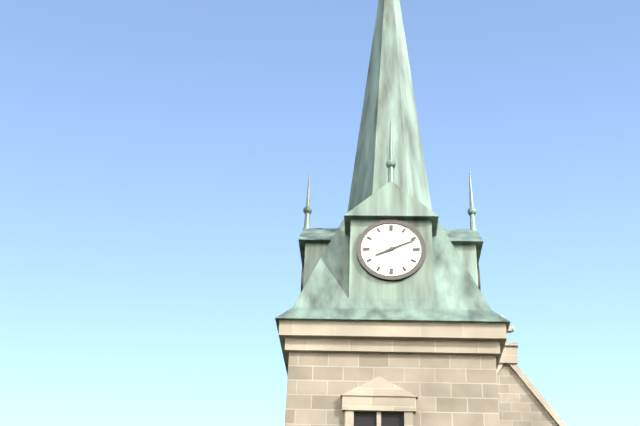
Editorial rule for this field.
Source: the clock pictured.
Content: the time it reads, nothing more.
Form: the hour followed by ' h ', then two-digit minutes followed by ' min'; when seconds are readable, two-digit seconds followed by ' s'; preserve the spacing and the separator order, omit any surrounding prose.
8 h 11 min
